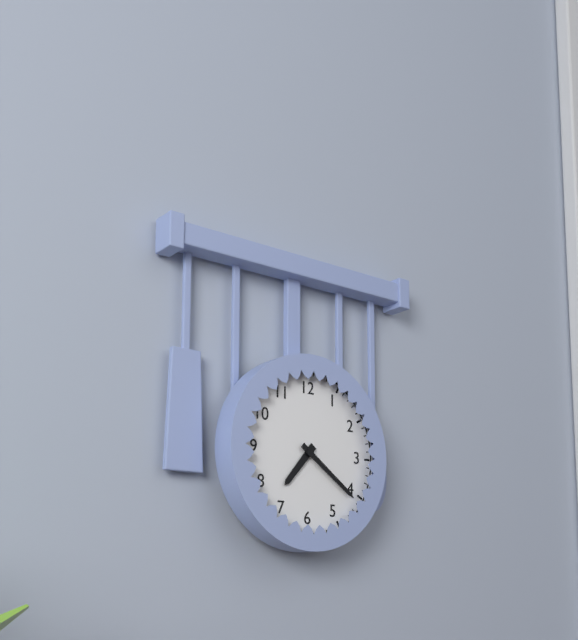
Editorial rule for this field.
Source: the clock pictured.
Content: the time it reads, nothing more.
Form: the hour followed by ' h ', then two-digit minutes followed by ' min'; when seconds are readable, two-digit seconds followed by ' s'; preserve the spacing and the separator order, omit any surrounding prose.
7 h 21 min
